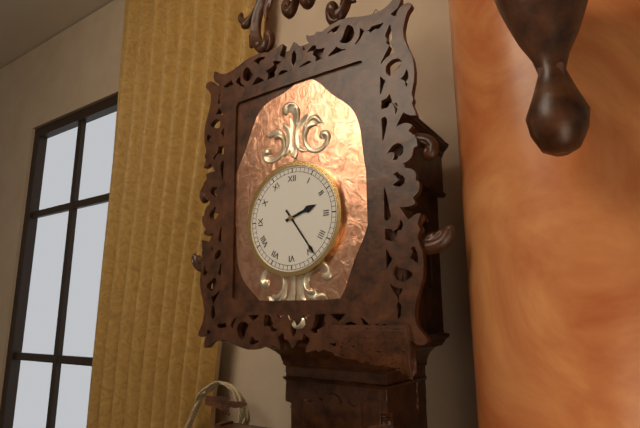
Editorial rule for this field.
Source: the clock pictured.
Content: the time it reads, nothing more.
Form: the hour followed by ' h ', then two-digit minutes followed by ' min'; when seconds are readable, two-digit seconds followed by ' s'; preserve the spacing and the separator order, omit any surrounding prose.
2 h 24 min
